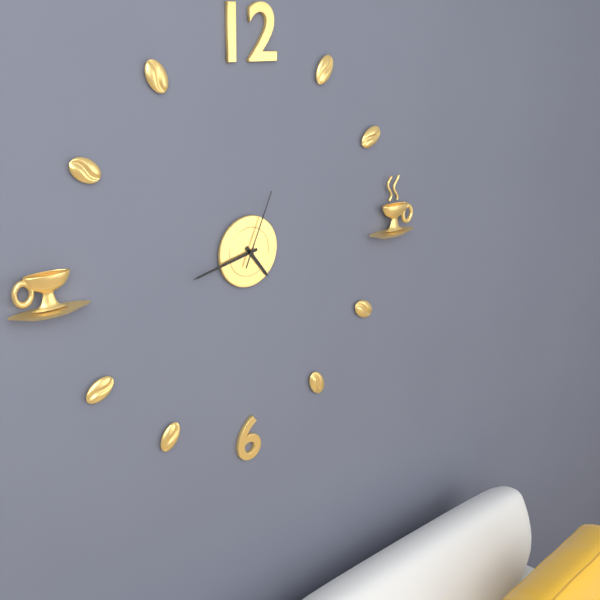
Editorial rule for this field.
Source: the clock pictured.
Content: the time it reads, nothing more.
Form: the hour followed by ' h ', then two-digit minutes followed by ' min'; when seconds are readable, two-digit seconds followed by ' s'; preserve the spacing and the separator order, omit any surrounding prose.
4 h 43 min 04 s
